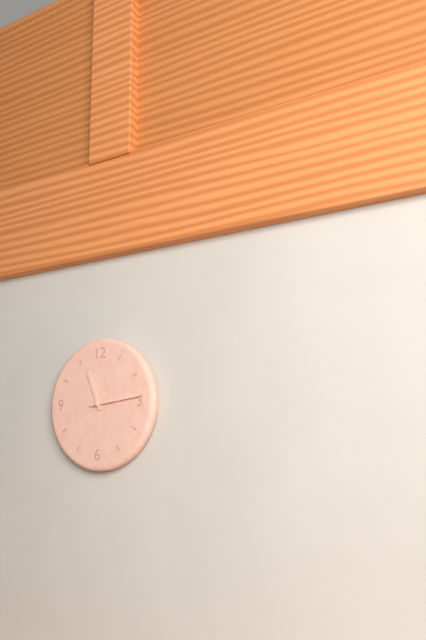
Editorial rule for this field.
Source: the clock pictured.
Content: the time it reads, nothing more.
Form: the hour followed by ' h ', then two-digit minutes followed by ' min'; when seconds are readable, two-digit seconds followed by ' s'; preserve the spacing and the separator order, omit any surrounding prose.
11 h 14 min
